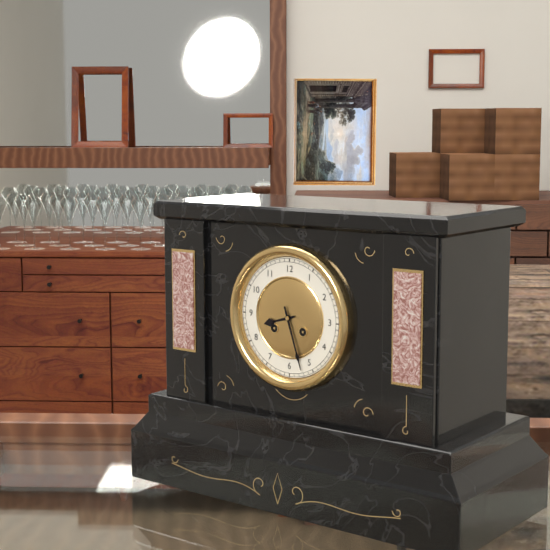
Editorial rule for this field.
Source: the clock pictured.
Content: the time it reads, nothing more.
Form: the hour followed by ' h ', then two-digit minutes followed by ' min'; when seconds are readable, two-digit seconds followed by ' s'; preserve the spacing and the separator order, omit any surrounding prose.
8 h 27 min
